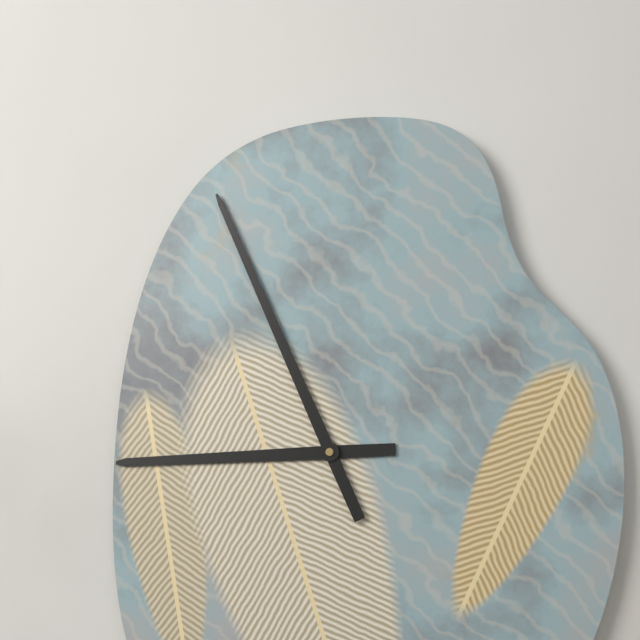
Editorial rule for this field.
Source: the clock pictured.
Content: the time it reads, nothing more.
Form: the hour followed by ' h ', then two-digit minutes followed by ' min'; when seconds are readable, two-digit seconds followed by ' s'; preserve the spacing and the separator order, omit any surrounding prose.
8 h 56 min
